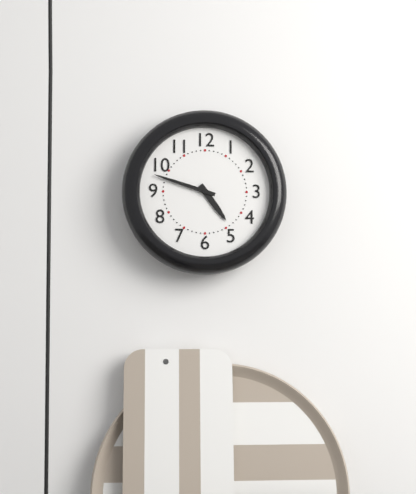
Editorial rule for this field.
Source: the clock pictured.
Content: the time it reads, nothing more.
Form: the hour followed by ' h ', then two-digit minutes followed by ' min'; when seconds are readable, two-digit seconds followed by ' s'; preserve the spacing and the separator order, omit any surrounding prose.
4 h 48 min
